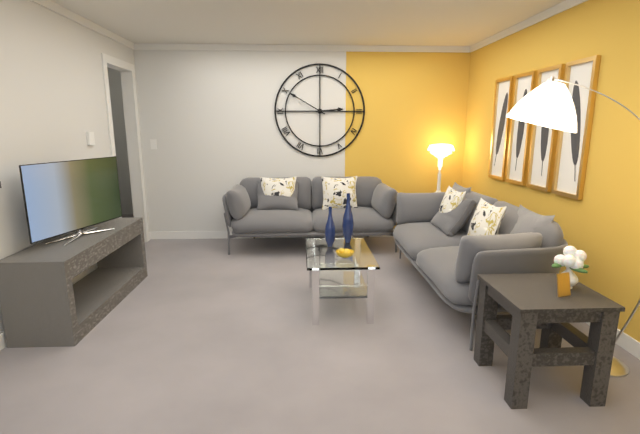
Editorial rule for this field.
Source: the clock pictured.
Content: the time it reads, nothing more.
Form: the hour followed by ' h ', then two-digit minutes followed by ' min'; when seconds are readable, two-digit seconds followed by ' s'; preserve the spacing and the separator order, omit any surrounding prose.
2 h 50 min
